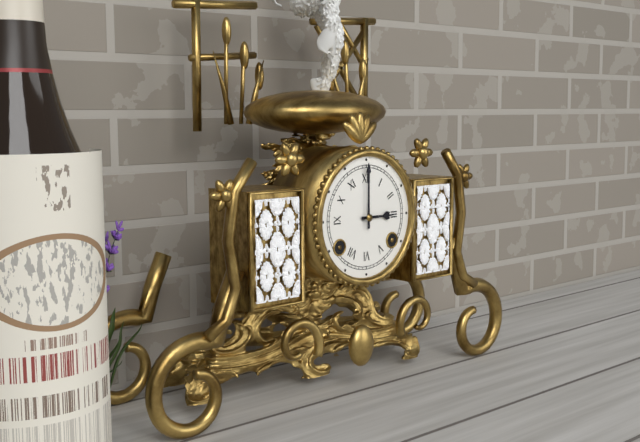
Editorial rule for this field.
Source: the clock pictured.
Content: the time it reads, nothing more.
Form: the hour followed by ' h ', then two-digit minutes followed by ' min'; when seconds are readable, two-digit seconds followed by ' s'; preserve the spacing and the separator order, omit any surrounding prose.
3 h 00 min
